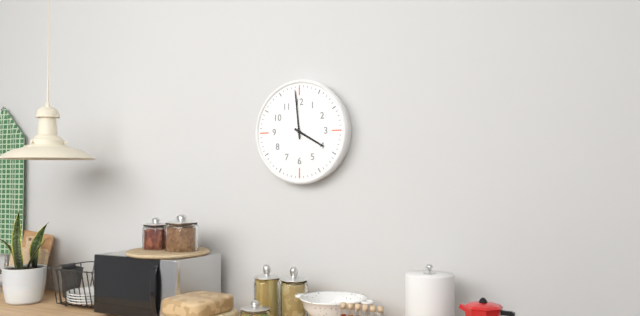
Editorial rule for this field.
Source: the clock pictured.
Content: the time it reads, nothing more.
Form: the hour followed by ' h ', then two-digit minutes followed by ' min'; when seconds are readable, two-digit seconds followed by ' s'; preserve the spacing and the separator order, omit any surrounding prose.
3 h 59 min
